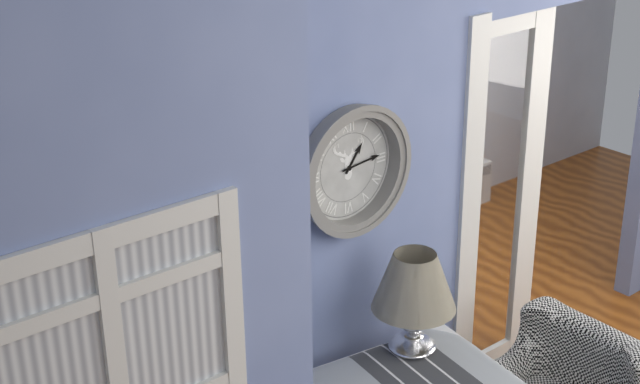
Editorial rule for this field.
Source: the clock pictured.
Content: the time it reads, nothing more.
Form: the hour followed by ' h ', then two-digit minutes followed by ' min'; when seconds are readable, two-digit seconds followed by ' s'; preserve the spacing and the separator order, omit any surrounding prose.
1 h 14 min
